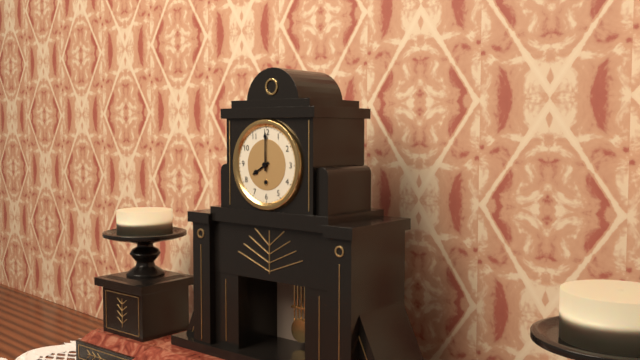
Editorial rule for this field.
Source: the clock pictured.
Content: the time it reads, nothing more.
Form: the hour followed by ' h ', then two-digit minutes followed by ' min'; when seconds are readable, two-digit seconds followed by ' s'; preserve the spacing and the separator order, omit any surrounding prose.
8 h 00 min
